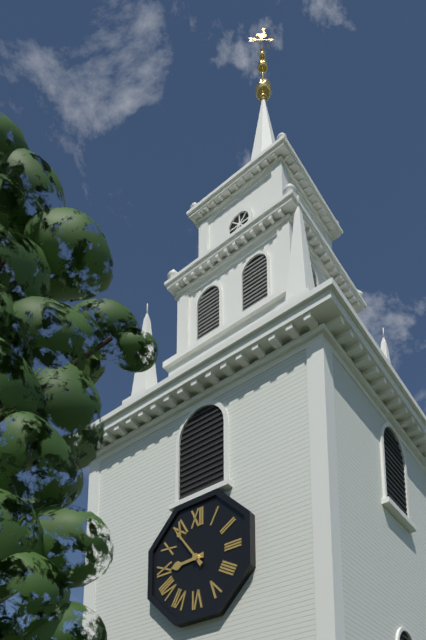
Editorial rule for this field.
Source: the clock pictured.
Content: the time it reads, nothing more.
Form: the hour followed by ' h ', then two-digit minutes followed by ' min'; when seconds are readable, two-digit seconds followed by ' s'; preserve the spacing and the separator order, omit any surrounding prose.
8 h 54 min
